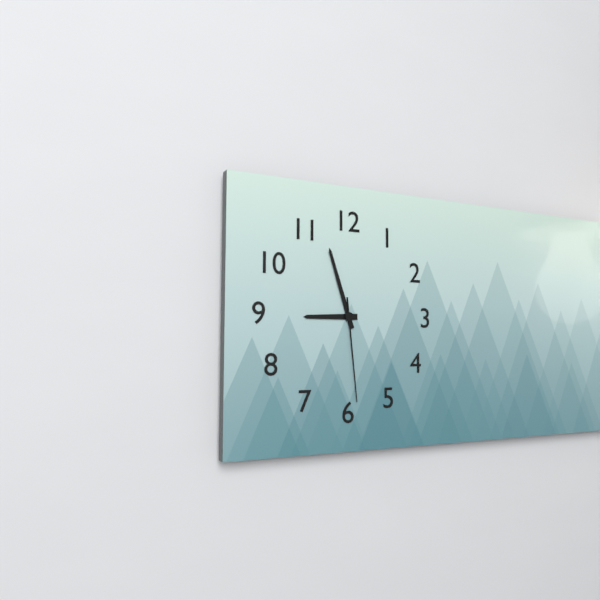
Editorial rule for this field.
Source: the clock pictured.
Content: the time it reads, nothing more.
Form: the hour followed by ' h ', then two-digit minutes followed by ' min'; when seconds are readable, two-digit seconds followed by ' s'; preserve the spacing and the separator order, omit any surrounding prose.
8 h 57 min 29 s
